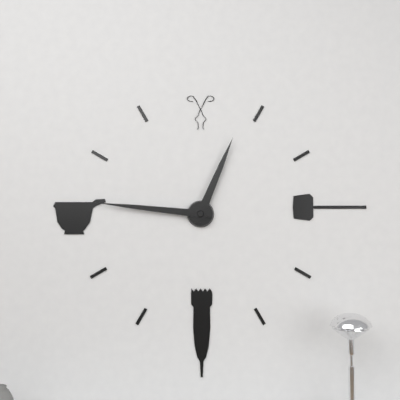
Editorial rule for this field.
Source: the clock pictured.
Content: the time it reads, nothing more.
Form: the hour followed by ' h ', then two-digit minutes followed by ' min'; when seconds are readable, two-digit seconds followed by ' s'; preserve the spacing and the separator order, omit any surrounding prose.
12 h 46 min
